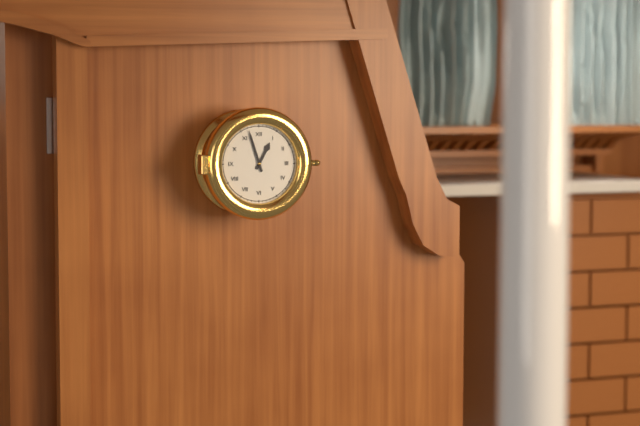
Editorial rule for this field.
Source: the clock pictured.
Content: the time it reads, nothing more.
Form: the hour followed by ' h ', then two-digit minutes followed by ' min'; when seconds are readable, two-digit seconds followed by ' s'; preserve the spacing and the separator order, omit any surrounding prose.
12 h 57 min
